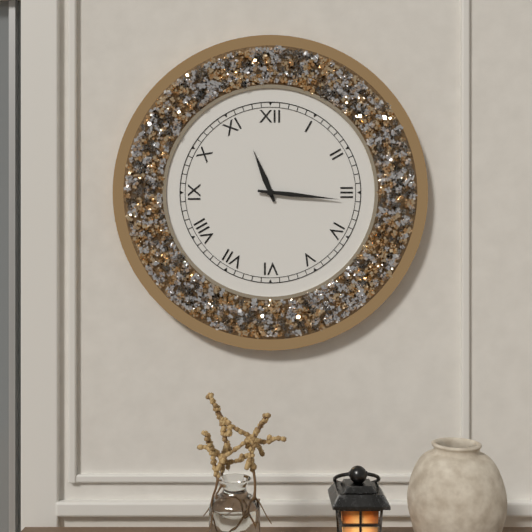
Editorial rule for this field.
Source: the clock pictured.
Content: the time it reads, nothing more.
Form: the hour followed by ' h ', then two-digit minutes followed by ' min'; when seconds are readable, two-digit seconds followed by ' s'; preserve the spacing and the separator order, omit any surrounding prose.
11 h 16 min
